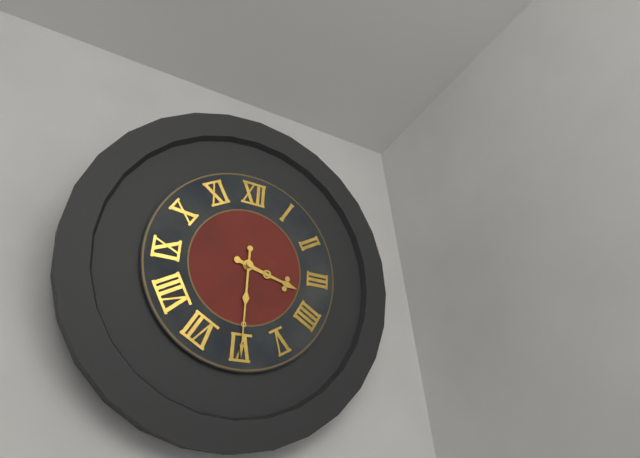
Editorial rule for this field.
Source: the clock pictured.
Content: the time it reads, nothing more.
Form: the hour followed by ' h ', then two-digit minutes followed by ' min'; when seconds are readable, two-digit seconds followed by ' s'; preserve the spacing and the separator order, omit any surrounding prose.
3 h 30 min
